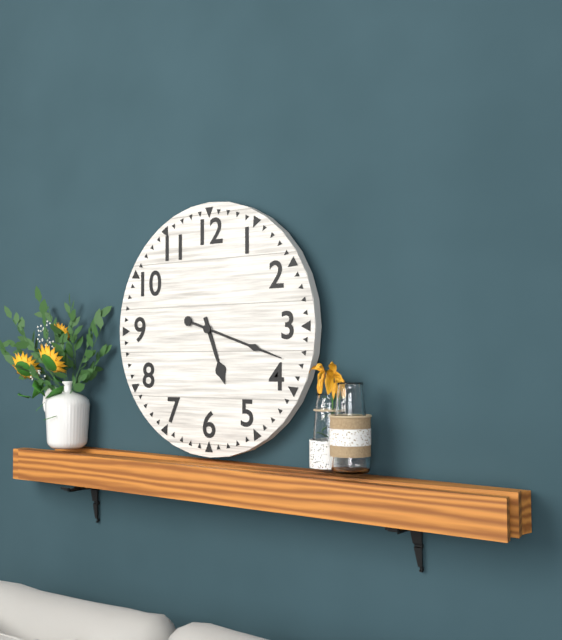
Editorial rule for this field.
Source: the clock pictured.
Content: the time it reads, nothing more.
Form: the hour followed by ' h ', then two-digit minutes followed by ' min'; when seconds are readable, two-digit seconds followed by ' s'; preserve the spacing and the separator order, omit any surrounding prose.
5 h 18 min
